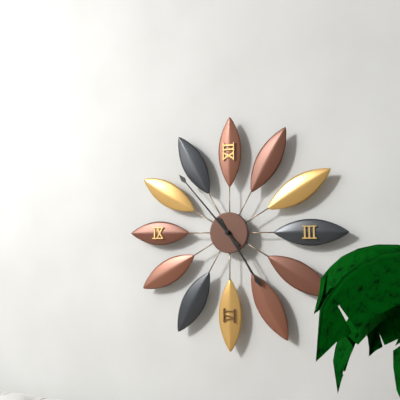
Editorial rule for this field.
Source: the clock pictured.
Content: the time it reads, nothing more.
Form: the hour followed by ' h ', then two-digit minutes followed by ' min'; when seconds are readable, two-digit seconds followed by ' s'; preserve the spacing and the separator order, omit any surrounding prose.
4 h 53 min
